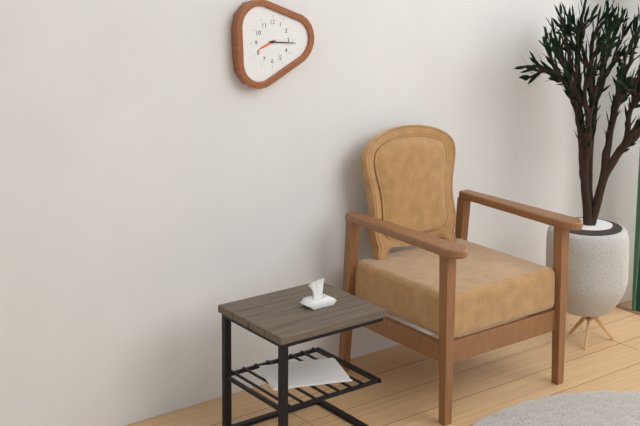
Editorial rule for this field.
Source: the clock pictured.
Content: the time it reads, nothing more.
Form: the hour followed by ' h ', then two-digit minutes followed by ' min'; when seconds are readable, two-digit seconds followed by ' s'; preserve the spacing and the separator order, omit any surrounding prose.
8 h 16 min
